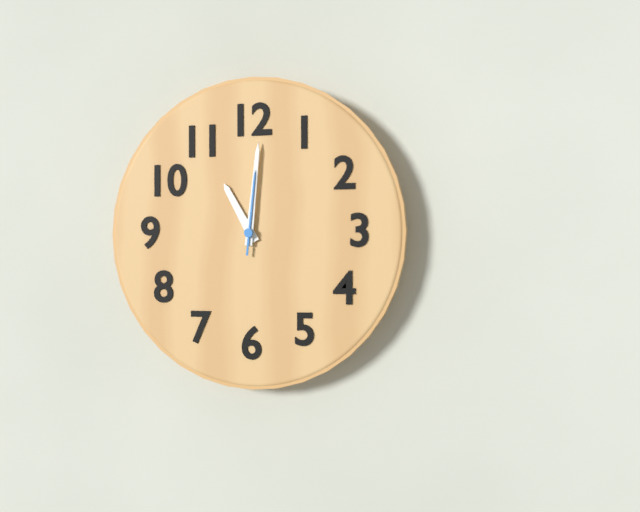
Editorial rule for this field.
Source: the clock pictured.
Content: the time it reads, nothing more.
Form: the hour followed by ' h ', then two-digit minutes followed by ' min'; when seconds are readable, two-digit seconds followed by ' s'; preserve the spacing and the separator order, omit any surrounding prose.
11 h 01 min 01 s
